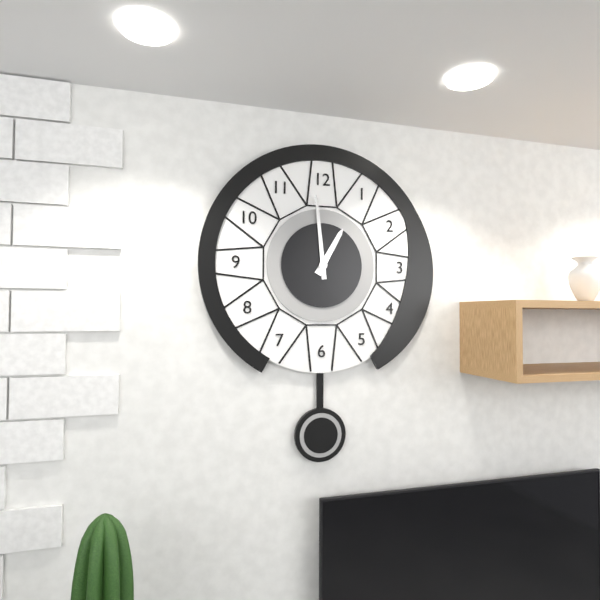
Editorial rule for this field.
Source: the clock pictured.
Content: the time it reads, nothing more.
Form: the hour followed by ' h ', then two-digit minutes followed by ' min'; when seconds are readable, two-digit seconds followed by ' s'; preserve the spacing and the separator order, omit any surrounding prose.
12 h 59 min
